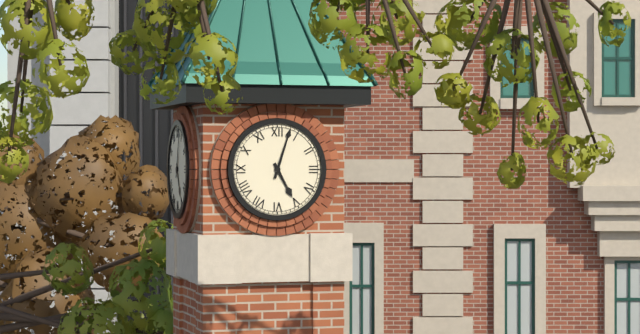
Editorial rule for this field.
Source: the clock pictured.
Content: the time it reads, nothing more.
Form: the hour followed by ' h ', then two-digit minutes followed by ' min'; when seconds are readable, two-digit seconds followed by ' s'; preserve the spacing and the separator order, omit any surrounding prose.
5 h 03 min
